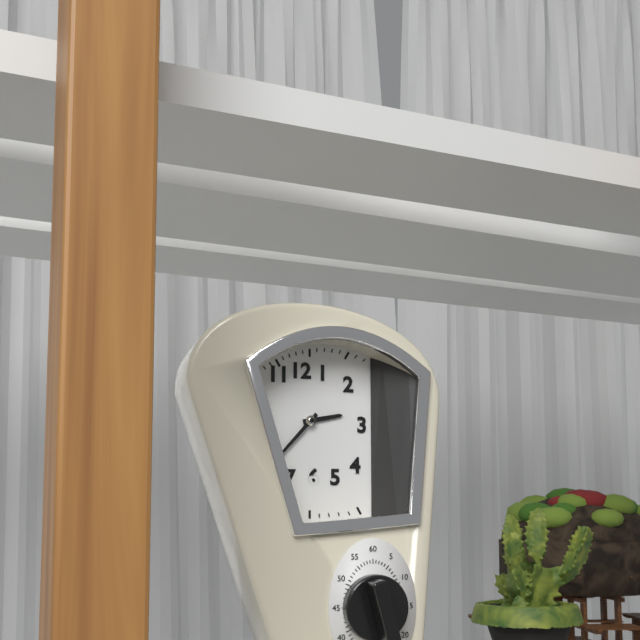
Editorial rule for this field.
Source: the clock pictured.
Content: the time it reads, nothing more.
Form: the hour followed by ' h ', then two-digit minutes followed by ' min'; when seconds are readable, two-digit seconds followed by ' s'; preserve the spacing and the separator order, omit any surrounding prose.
2 h 37 min
